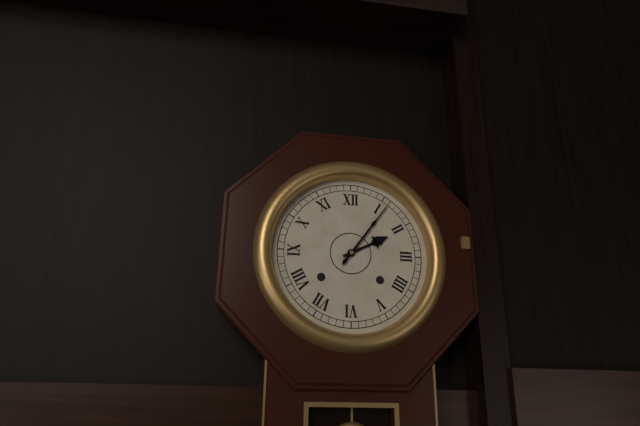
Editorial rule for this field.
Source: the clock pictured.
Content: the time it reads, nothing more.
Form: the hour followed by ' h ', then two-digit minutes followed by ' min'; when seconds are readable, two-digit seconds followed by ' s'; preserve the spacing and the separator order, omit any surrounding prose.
2 h 06 min
